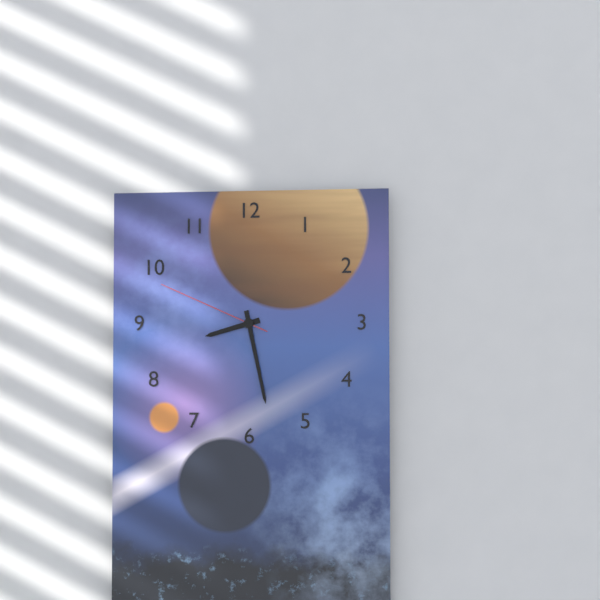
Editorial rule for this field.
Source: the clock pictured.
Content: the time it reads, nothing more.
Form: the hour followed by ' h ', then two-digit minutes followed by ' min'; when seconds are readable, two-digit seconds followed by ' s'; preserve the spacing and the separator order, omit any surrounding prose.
8 h 28 min 49 s
